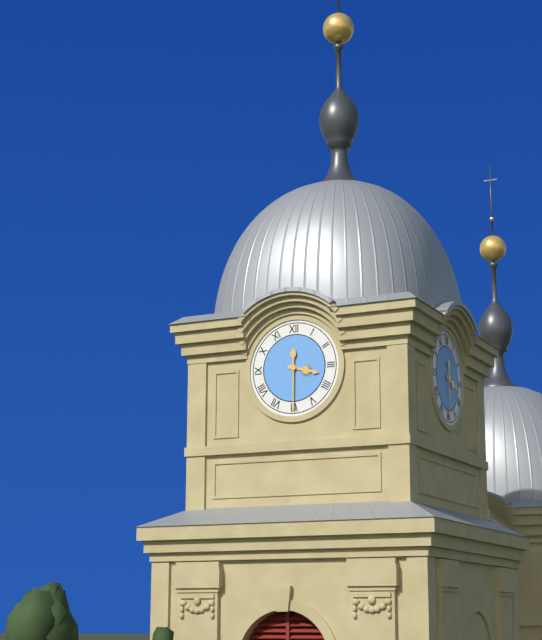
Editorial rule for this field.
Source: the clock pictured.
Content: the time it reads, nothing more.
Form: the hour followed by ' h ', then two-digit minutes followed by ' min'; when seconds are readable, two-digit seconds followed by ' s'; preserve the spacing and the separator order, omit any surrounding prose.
3 h 30 min
